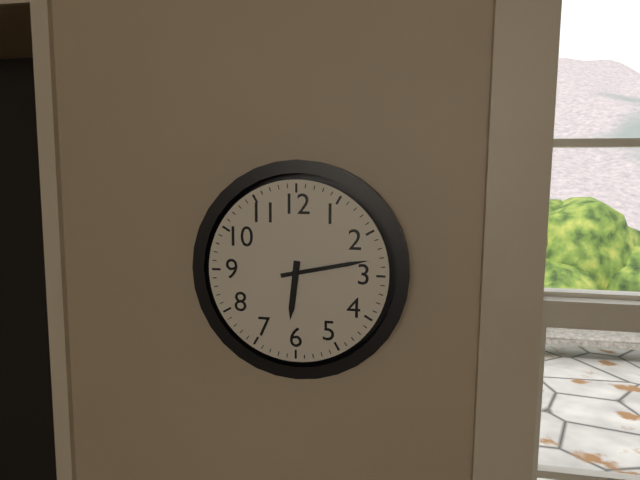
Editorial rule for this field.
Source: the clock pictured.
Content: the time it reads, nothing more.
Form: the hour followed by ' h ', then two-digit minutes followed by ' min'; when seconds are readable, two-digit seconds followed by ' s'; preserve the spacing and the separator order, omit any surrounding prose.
6 h 13 min
